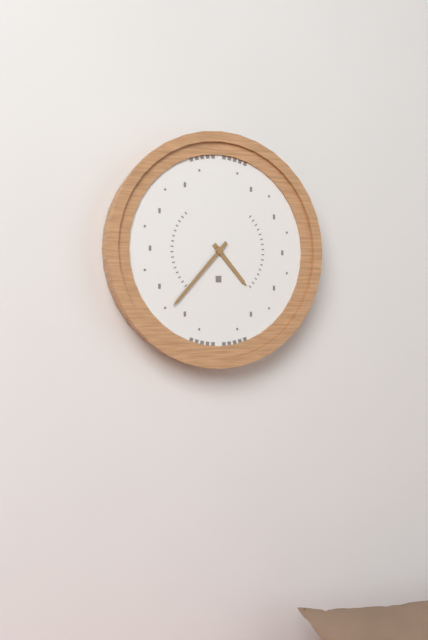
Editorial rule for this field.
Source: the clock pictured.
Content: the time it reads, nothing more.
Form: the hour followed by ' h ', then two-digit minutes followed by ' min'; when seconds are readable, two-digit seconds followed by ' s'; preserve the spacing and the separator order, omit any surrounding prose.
4 h 37 min
